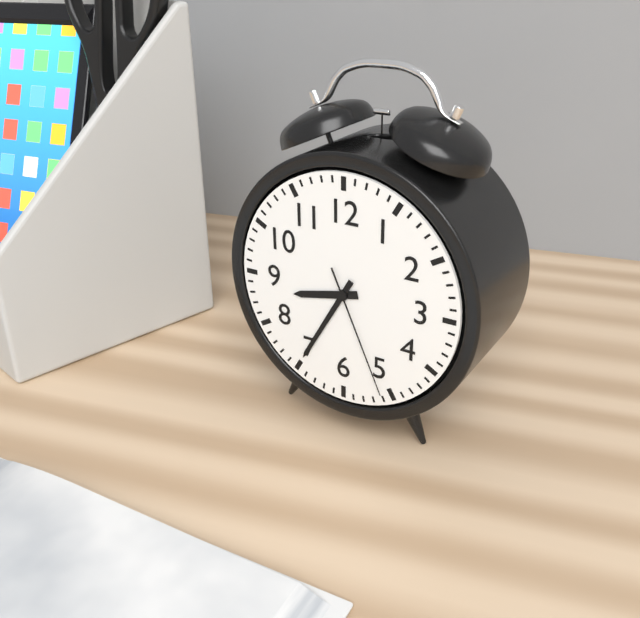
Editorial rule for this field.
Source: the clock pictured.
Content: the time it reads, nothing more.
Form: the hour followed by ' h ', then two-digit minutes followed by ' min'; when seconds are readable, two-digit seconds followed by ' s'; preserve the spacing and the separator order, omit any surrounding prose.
8 h 35 min 26 s
